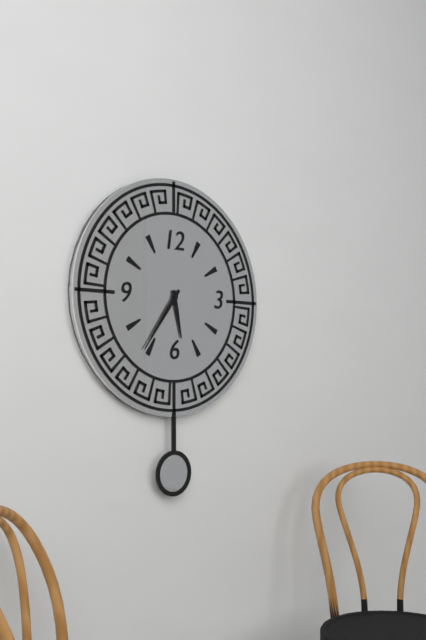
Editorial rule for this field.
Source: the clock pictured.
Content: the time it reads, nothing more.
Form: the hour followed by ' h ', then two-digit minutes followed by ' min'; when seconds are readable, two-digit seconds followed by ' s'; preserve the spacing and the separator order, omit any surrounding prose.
5 h 36 min
